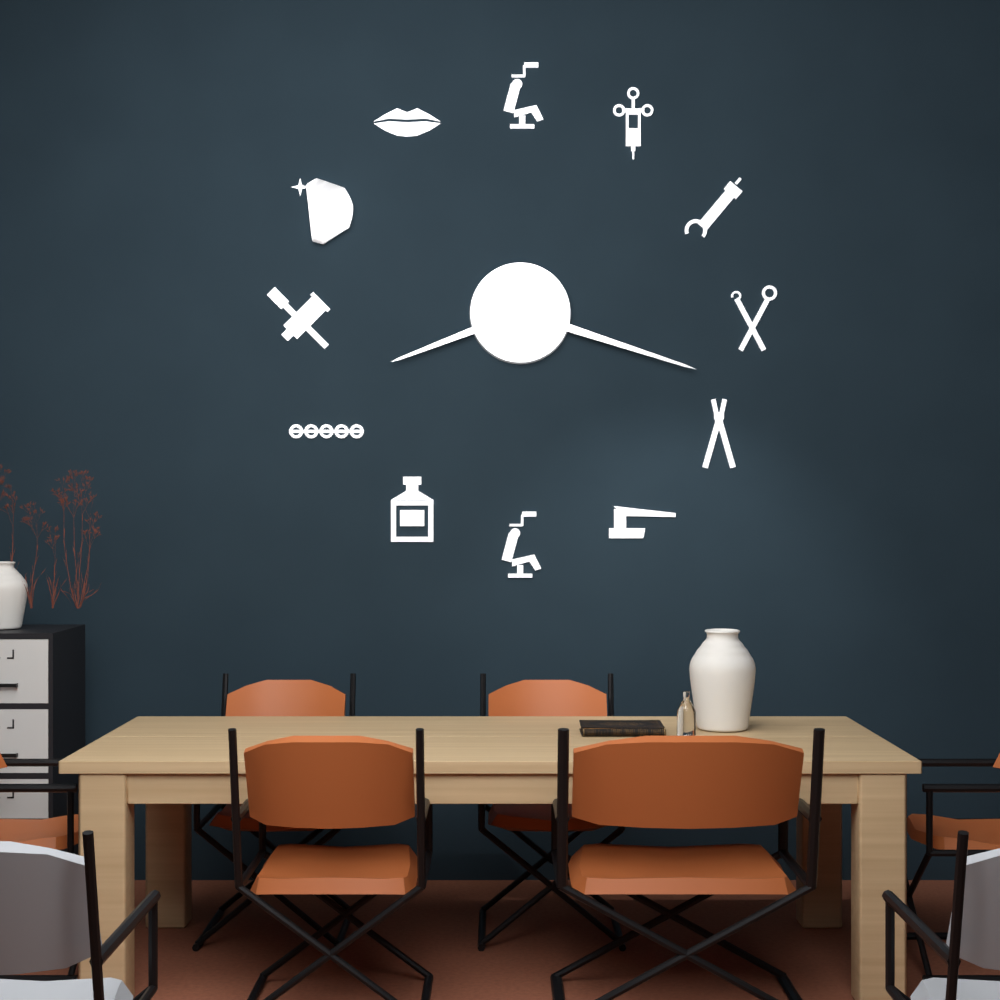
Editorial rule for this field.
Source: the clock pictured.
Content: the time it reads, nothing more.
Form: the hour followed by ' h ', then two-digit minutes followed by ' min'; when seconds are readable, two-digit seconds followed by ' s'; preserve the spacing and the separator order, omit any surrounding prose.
8 h 18 min
